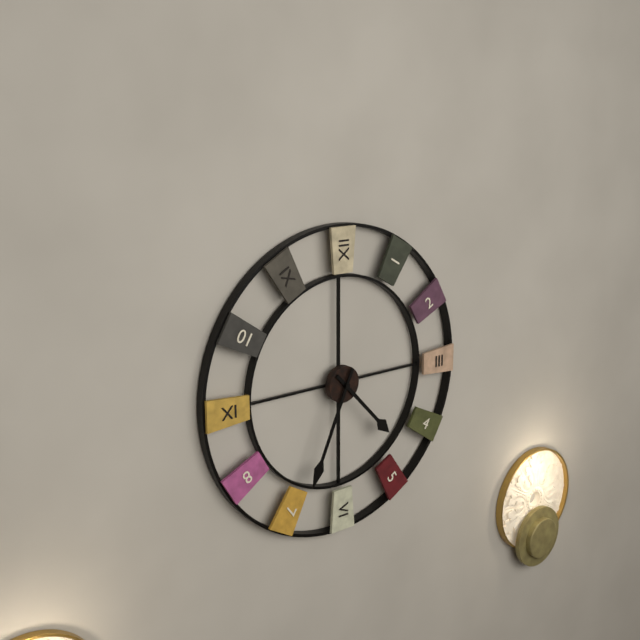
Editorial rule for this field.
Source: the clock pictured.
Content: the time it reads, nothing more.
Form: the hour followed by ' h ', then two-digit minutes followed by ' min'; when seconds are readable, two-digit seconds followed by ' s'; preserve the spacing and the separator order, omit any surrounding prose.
4 h 34 min
